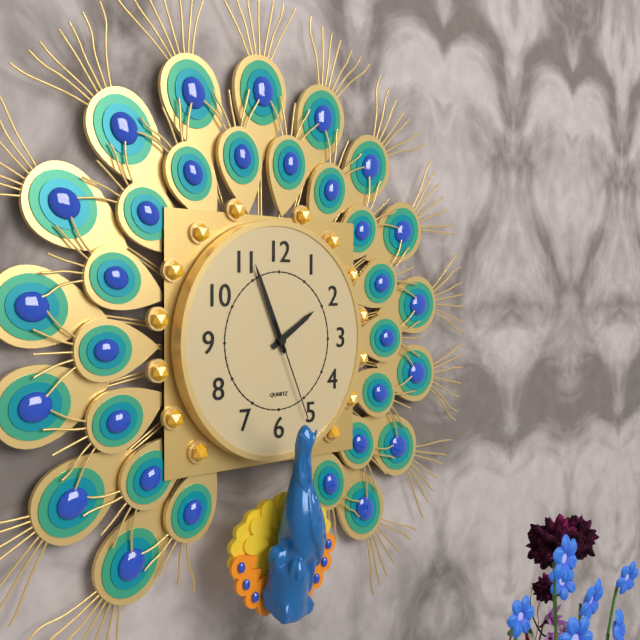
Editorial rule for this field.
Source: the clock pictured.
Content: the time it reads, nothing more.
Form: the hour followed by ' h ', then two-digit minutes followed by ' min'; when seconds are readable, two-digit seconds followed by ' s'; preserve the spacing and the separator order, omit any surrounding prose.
1 h 56 min 26 s
